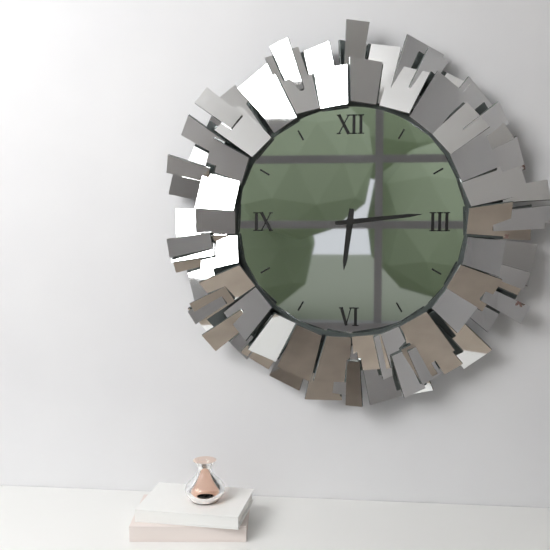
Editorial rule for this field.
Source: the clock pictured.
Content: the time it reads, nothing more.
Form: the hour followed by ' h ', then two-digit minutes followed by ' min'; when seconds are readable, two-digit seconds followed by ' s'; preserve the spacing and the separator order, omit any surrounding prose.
6 h 14 min
